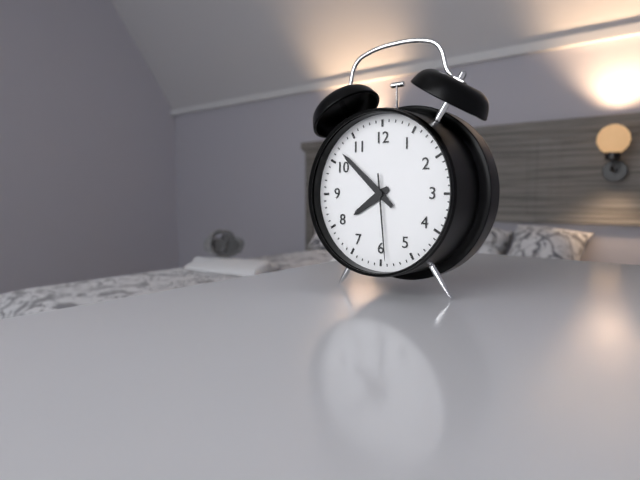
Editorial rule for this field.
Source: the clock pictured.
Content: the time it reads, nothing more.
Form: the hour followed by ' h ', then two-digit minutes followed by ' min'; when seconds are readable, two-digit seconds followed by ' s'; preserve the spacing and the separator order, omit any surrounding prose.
7 h 52 min 29 s
